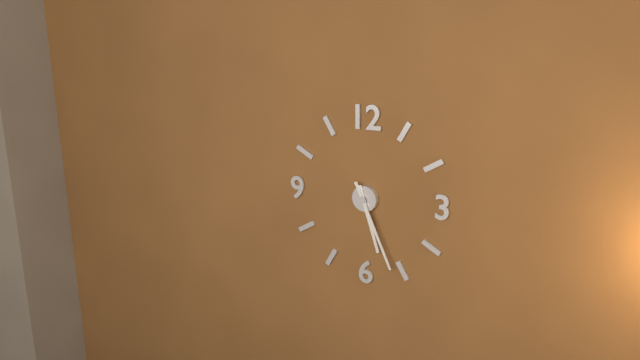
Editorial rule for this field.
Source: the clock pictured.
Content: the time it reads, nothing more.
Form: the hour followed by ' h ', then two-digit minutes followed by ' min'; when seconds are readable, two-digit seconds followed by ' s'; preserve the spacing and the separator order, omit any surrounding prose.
5 h 26 min
